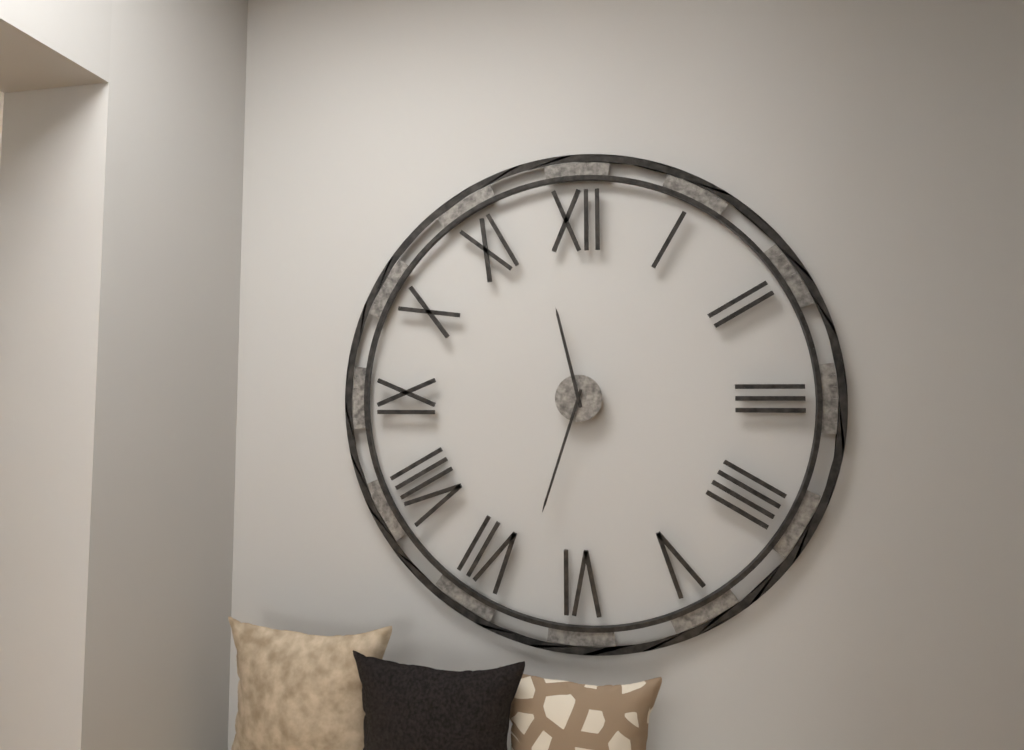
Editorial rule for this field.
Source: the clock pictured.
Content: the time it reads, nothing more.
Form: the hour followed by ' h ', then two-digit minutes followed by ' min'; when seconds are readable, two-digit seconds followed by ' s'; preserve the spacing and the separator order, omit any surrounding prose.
11 h 33 min
